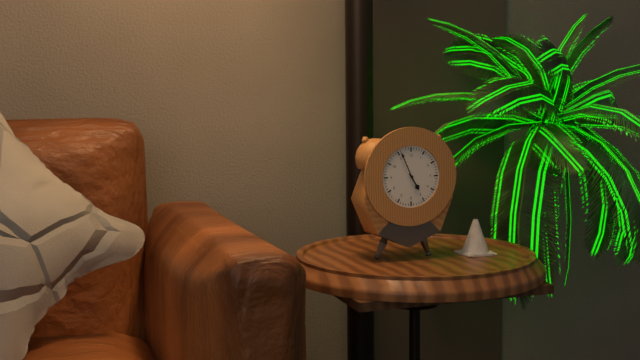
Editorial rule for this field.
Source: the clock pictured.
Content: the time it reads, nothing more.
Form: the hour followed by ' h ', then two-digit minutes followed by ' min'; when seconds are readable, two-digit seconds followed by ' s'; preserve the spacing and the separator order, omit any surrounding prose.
4 h 56 min
